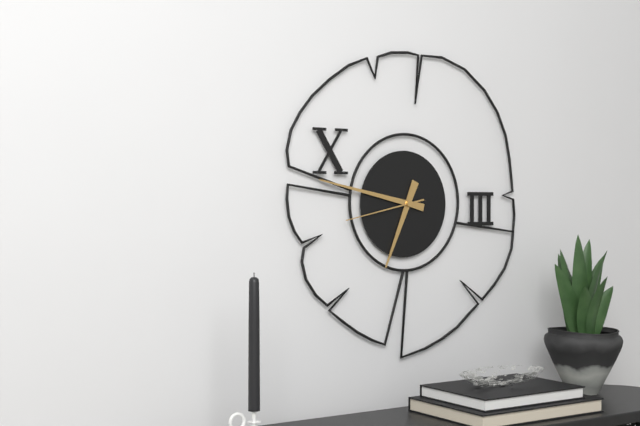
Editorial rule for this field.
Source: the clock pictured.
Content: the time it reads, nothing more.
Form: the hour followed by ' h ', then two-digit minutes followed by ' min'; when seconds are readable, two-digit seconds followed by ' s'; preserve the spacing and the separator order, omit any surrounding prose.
6 h 47 min 43 s
